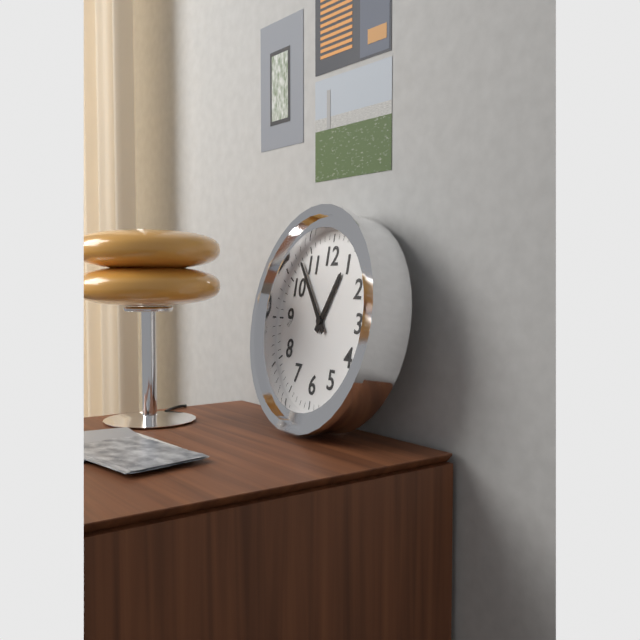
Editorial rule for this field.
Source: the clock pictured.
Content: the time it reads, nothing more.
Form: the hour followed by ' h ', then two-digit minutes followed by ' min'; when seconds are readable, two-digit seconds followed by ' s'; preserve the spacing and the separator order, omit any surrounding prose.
12 h 53 min
